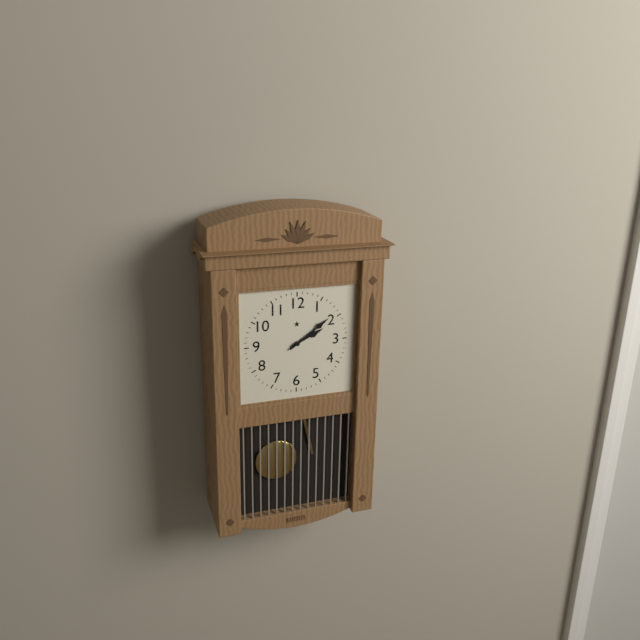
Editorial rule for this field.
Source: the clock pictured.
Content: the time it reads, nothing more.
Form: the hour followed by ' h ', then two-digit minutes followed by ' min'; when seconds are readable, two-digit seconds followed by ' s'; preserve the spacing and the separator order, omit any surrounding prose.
2 h 09 min
